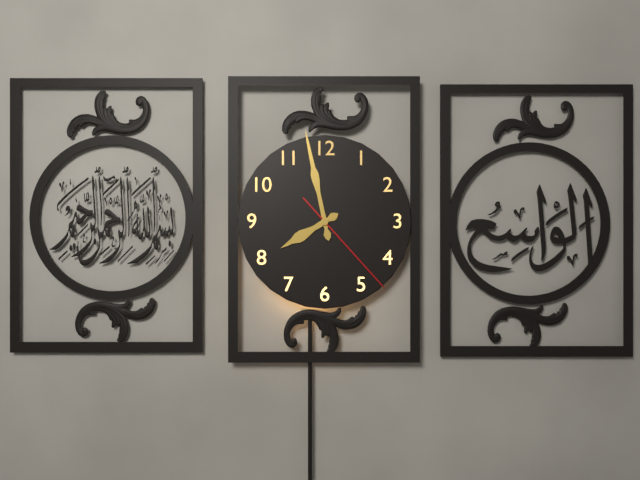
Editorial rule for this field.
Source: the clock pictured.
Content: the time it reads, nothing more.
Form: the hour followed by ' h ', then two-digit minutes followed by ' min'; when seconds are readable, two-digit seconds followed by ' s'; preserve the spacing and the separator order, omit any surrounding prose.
7 h 58 min 23 s
